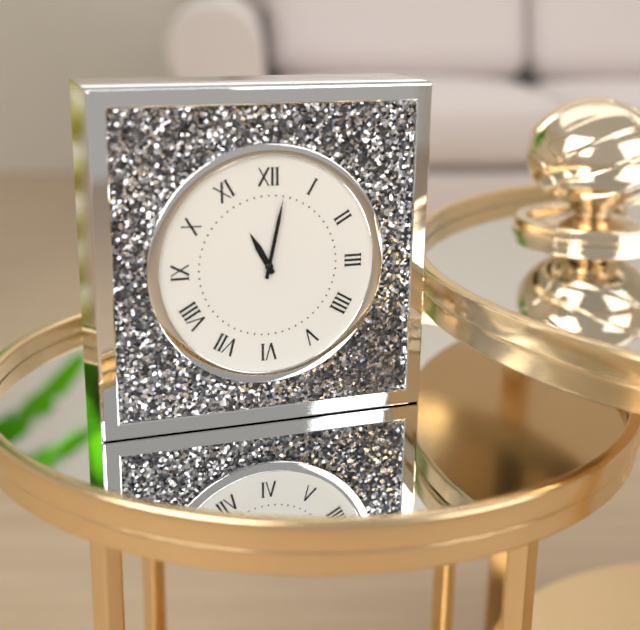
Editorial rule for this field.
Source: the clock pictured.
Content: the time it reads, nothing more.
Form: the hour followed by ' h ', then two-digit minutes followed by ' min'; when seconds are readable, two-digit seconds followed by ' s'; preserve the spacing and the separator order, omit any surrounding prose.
11 h 02 min
